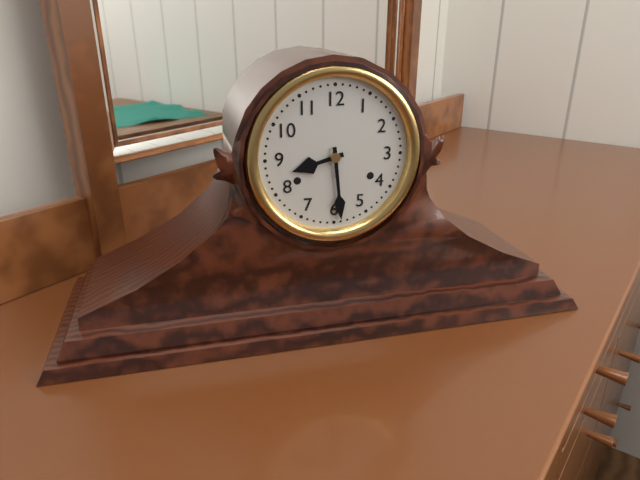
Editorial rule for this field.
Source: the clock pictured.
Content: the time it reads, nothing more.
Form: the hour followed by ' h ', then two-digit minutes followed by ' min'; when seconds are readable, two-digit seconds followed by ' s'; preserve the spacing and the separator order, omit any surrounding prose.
8 h 29 min
